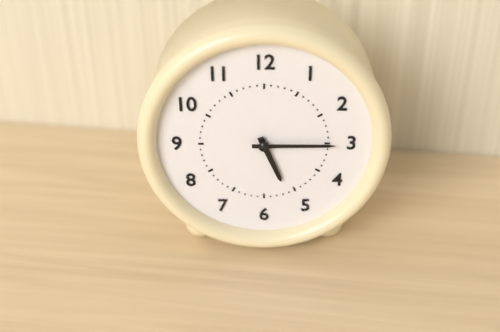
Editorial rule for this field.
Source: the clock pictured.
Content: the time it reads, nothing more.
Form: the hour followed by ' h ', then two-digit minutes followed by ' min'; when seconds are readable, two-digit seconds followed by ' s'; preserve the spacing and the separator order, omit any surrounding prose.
5 h 15 min
